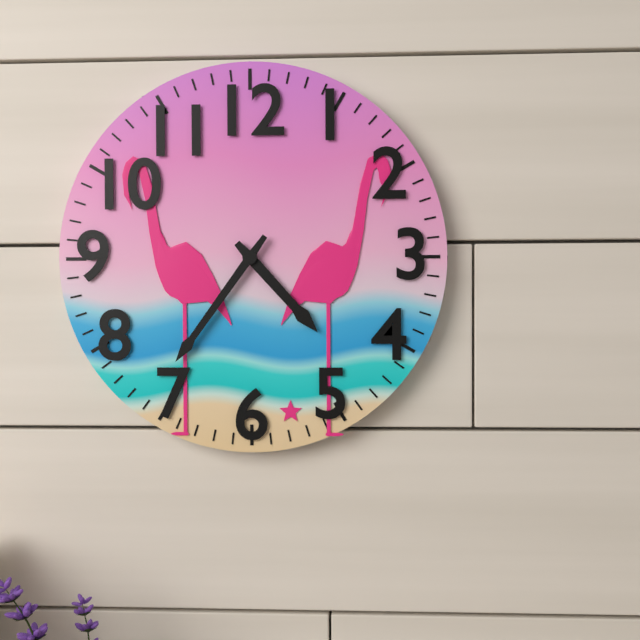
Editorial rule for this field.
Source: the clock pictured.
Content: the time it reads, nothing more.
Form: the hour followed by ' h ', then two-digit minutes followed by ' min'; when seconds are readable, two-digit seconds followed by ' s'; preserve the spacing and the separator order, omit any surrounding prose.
4 h 36 min
